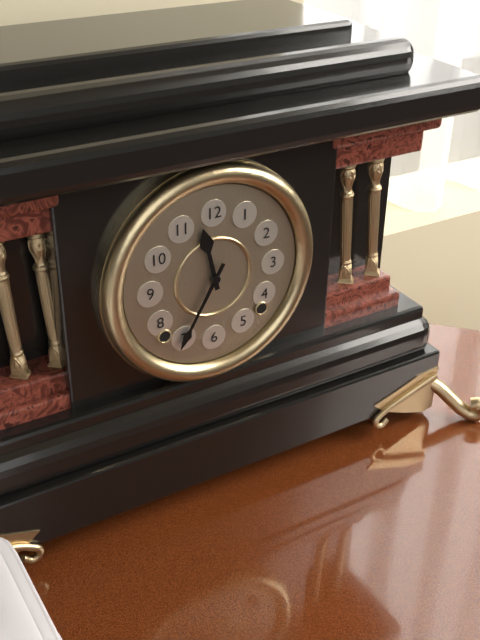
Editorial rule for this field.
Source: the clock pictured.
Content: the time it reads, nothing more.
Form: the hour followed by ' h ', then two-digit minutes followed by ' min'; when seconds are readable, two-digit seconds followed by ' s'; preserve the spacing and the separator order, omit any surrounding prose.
11 h 35 min
